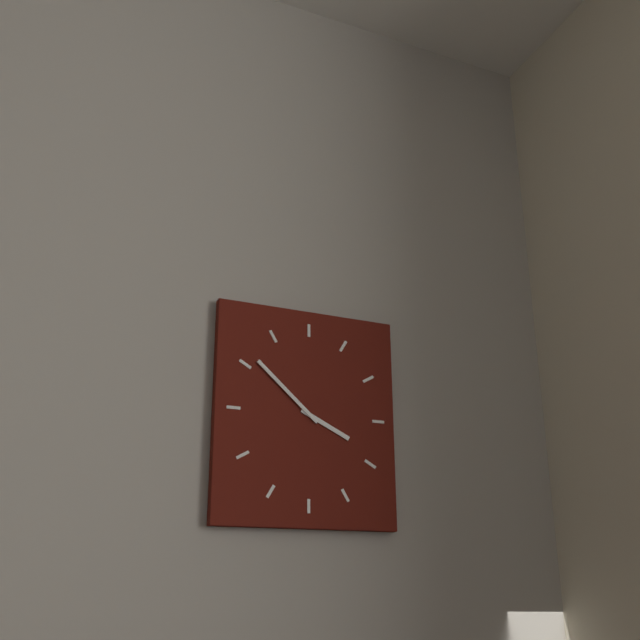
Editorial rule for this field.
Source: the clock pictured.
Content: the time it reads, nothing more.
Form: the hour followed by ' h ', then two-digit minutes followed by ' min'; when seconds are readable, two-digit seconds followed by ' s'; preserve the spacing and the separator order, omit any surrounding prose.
3 h 52 min
